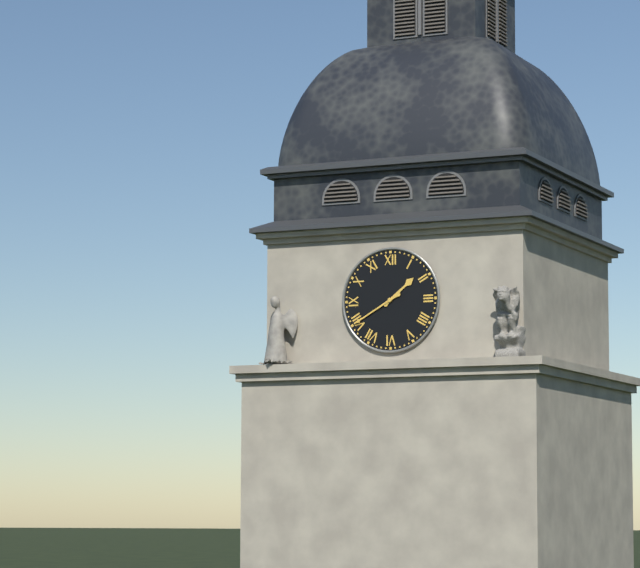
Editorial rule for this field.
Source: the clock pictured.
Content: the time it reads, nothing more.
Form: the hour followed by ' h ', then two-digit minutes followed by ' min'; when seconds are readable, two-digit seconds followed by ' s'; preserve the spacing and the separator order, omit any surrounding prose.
1 h 40 min
